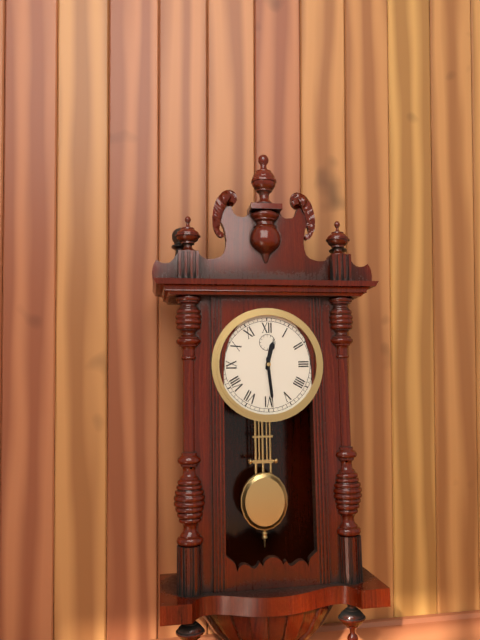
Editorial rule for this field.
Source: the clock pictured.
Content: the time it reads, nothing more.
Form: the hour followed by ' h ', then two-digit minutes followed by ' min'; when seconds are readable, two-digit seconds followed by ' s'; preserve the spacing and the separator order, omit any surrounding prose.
12 h 29 min
